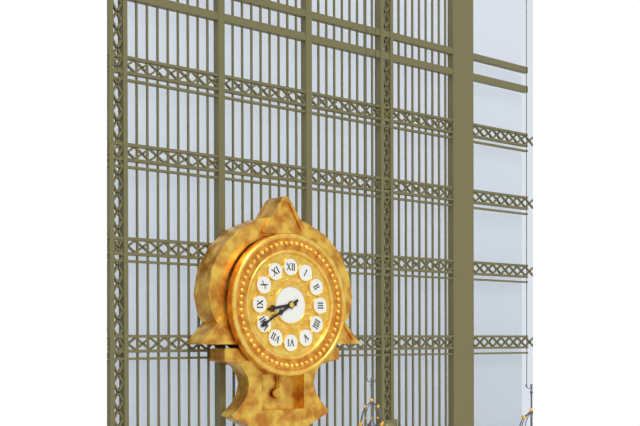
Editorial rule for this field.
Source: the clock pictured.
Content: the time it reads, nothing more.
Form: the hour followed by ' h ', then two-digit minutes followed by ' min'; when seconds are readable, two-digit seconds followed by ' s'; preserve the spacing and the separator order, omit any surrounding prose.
8 h 40 min
